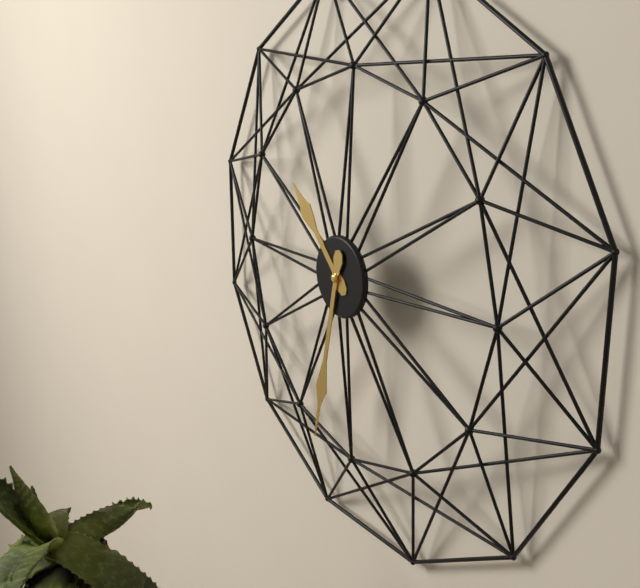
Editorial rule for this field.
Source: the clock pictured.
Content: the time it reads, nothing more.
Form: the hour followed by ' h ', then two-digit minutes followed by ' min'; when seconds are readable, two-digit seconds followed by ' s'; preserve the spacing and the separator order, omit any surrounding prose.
10 h 32 min
